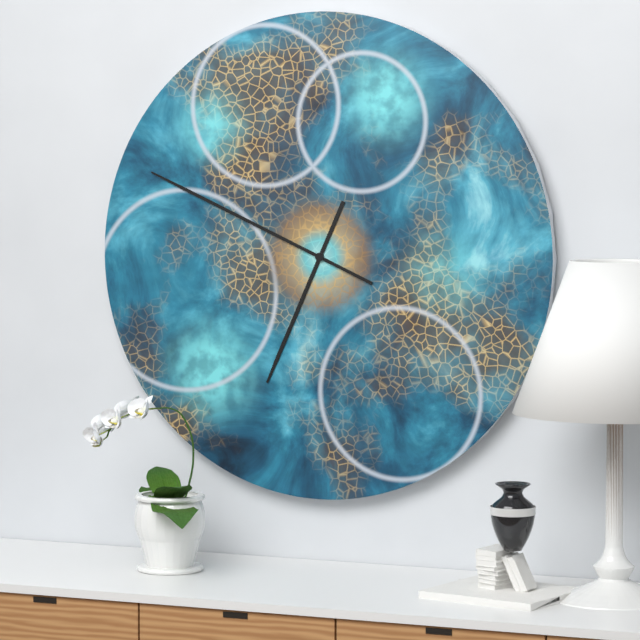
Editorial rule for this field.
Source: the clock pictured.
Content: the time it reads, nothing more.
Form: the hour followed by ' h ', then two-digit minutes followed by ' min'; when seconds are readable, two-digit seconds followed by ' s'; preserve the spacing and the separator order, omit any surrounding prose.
6 h 49 min
